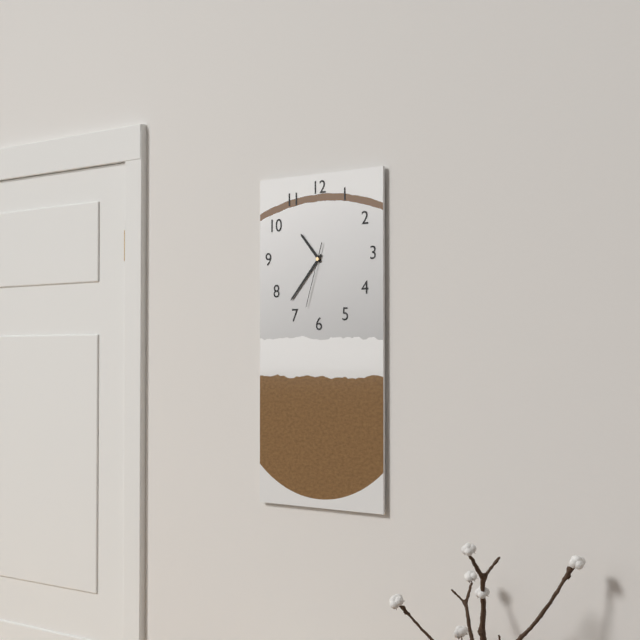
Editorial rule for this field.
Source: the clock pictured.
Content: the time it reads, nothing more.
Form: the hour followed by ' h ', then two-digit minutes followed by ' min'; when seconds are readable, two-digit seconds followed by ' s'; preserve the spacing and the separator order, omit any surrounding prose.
10 h 37 min 33 s
